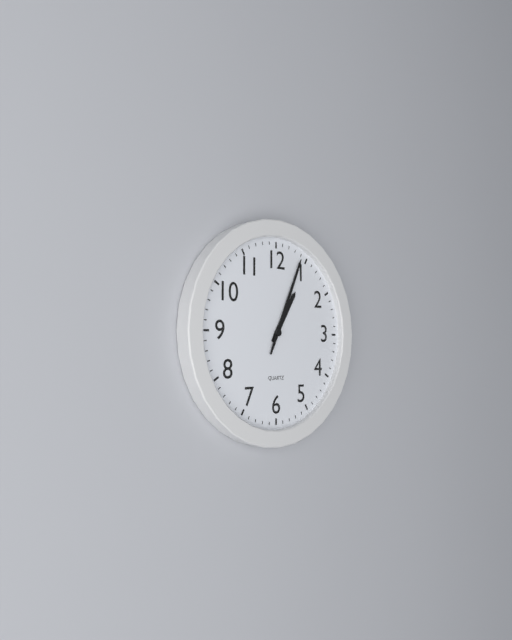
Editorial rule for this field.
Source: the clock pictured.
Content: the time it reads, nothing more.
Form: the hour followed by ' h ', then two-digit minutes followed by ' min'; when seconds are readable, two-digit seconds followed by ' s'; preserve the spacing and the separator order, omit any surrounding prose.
1 h 04 min
